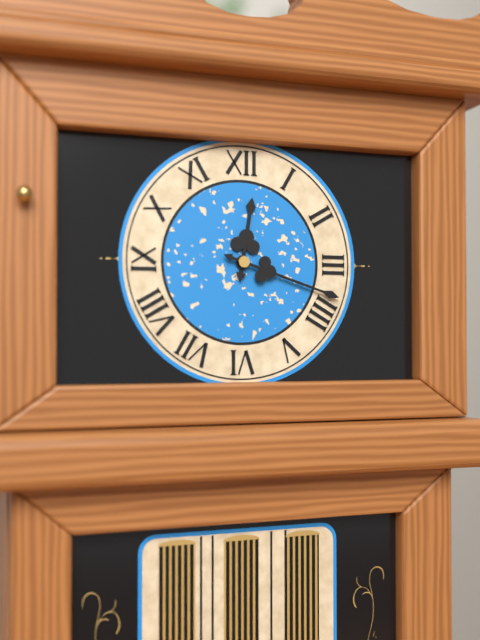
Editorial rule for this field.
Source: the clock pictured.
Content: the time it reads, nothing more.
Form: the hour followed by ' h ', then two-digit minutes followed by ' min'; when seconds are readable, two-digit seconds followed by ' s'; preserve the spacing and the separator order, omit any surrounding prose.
12 h 18 min
